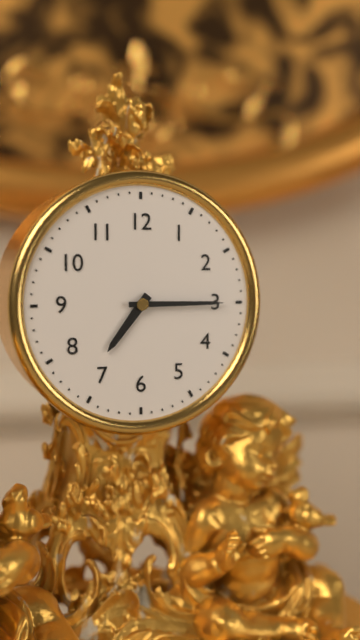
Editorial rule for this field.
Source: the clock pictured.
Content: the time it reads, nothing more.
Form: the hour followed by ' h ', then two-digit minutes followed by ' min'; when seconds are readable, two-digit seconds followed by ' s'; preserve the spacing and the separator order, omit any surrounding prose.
7 h 15 min
